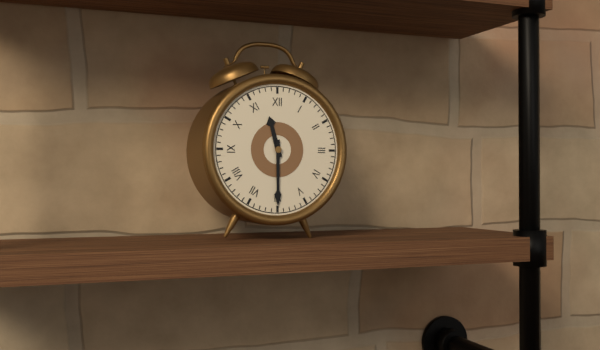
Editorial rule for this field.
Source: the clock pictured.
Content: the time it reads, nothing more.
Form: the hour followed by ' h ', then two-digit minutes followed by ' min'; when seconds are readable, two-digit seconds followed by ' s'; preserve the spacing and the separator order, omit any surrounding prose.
11 h 30 min
